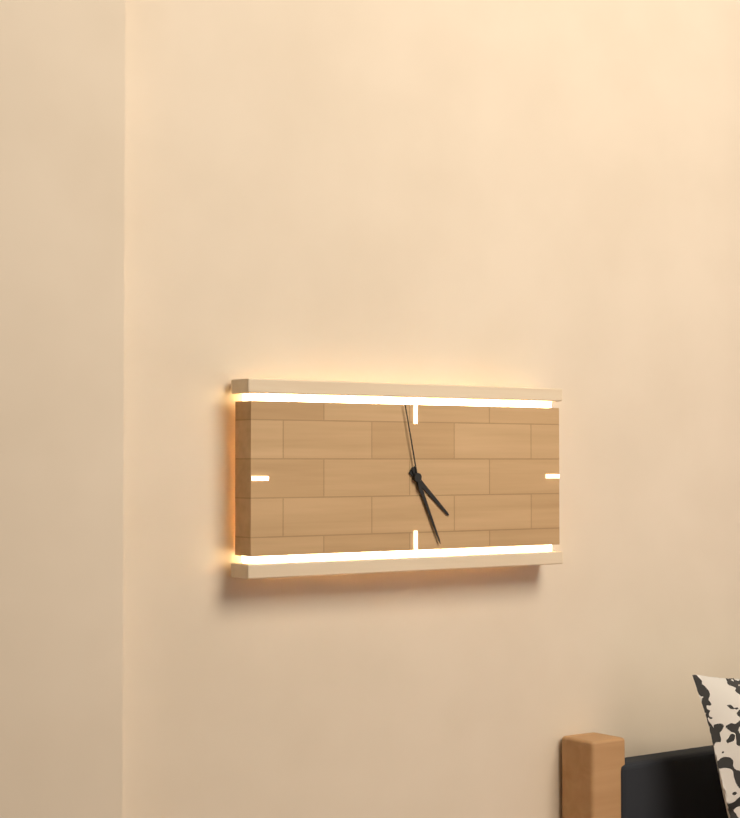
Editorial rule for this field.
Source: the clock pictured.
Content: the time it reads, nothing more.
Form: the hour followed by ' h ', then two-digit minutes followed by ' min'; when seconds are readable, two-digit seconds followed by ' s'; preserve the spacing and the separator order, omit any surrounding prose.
4 h 26 min 58 s
